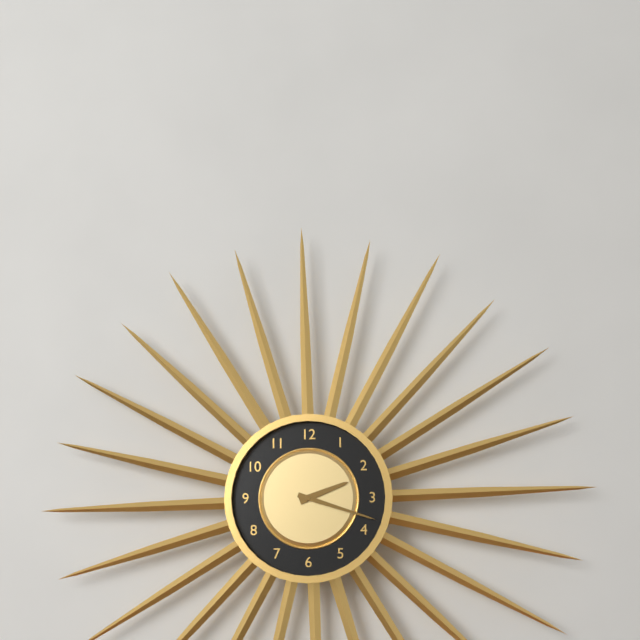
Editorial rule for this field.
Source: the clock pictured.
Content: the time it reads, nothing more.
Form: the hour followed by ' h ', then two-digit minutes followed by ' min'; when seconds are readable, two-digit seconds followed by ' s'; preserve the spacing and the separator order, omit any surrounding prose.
2 h 18 min
